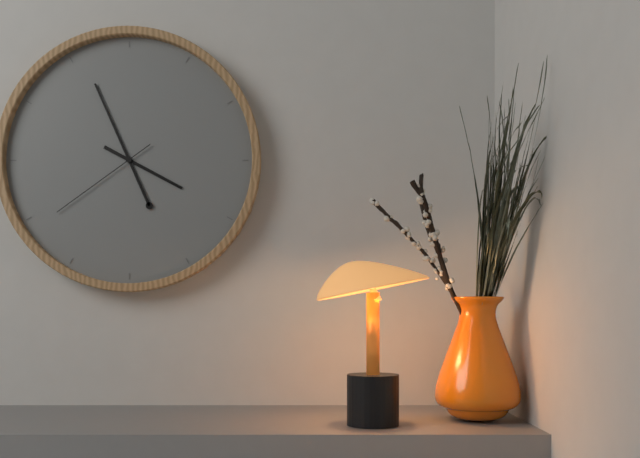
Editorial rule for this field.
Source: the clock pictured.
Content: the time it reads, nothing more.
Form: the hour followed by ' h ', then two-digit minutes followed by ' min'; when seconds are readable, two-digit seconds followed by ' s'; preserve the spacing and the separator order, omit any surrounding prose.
3 h 56 min 39 s
